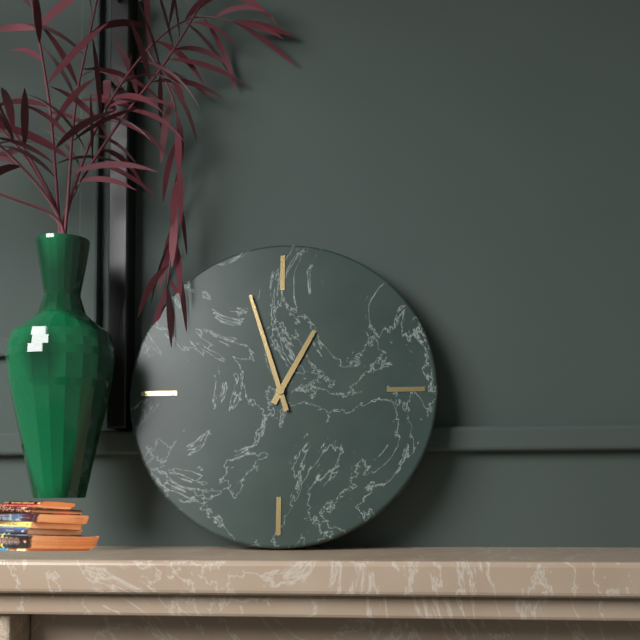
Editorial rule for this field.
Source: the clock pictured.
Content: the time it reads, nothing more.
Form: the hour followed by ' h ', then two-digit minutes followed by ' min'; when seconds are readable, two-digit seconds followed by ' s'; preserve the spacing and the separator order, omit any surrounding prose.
12 h 57 min
